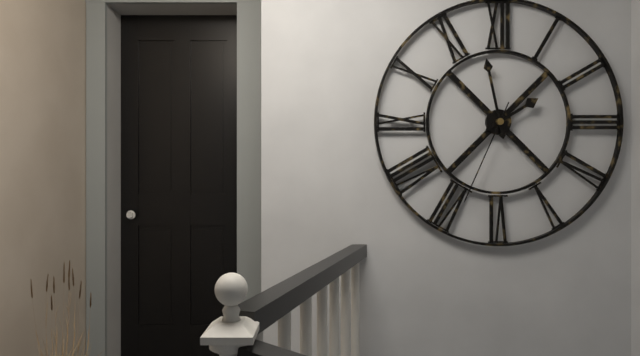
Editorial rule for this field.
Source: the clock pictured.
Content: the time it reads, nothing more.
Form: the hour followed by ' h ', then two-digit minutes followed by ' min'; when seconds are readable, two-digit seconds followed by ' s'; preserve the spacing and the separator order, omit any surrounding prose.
1 h 58 min 34 s
